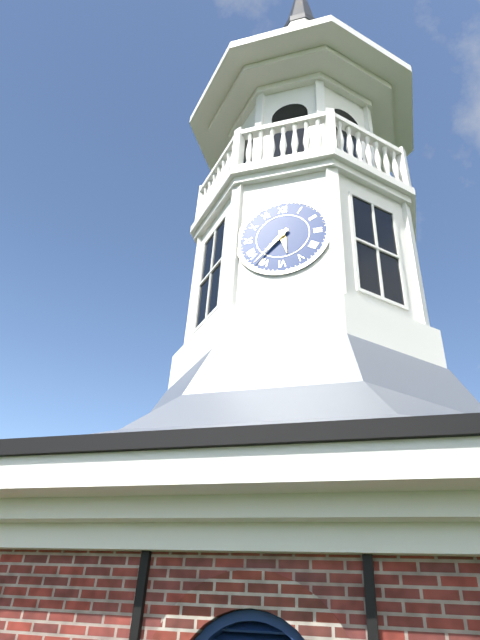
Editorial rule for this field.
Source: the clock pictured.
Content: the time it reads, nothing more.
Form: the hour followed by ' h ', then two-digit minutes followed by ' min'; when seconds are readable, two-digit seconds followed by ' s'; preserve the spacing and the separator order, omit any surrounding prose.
5 h 37 min
